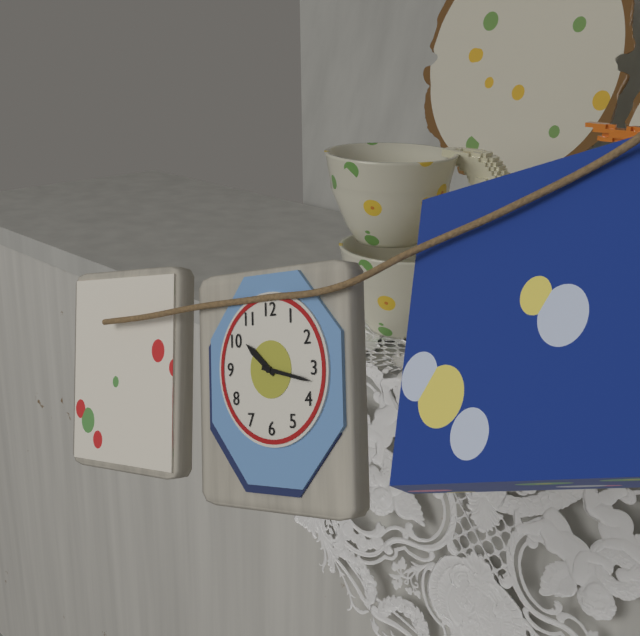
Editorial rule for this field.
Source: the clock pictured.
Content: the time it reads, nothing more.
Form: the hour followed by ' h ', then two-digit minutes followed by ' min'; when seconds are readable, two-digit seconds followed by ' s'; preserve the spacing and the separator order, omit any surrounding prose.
10 h 17 min
